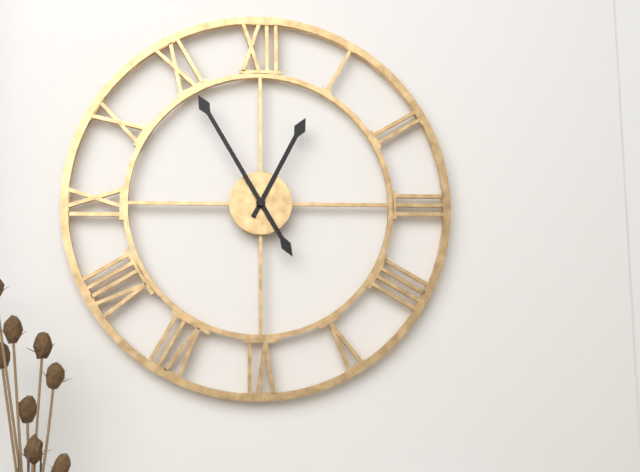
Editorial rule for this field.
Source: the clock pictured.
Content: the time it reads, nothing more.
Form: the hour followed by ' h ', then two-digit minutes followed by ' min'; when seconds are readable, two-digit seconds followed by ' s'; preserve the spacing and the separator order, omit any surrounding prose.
12 h 55 min
